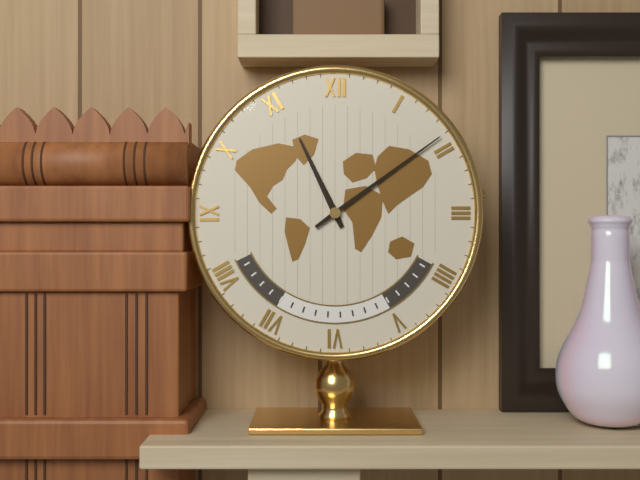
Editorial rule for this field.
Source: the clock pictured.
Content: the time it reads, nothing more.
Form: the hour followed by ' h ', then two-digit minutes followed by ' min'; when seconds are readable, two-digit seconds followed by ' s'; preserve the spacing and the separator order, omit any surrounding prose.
11 h 09 min
